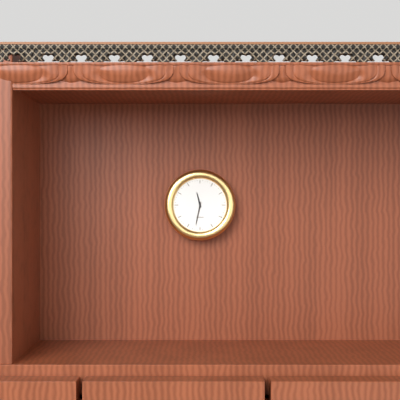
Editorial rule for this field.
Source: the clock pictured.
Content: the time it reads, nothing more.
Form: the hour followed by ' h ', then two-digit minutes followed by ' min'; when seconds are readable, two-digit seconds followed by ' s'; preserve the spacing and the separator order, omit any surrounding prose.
11 h 32 min
